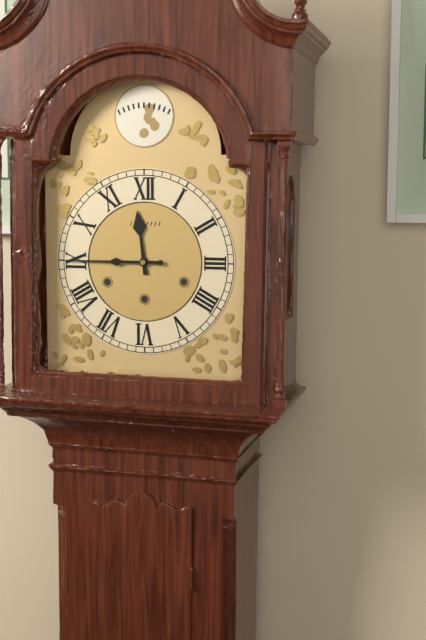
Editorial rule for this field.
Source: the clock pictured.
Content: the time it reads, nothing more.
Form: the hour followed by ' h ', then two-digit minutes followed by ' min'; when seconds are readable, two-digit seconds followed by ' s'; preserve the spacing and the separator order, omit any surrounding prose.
11 h 45 min
